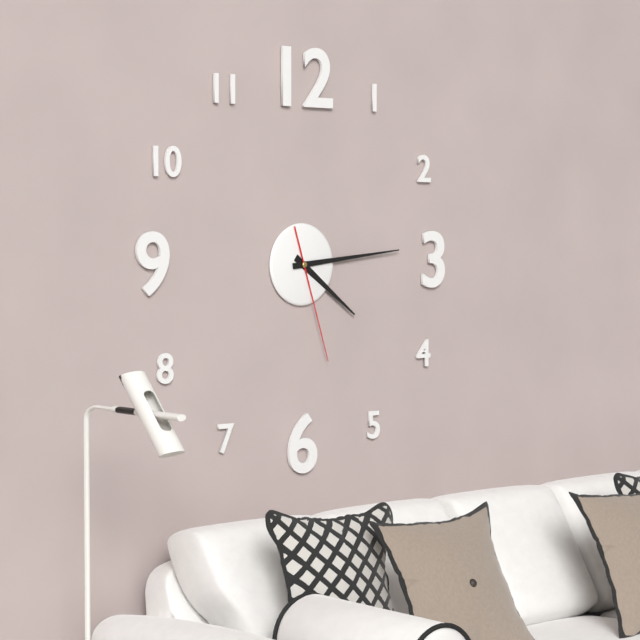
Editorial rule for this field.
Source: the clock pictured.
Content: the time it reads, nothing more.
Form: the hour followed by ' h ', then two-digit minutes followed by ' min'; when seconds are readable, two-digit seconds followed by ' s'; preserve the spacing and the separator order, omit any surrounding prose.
4 h 14 min 27 s
